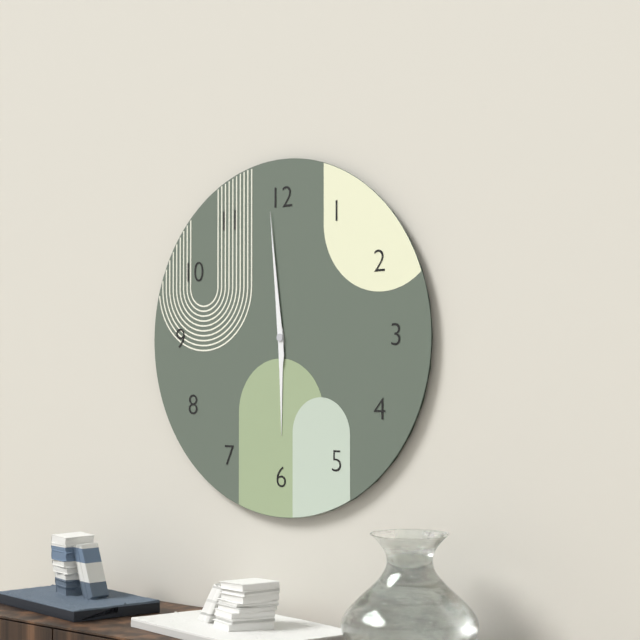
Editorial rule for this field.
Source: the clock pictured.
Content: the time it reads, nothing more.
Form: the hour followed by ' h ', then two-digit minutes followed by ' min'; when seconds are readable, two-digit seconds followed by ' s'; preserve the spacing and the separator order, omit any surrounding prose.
5 h 59 min
